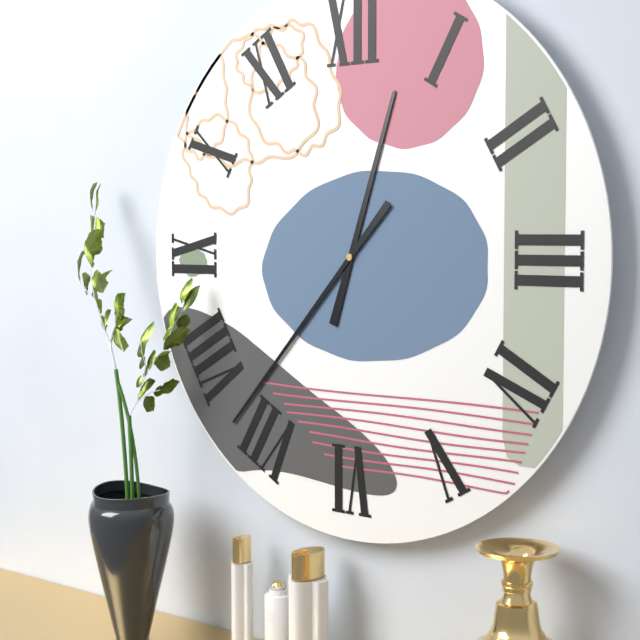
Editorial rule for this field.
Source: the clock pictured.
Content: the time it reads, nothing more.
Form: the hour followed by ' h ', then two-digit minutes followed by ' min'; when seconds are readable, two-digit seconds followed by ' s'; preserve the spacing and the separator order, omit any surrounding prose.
12 h 37 min
